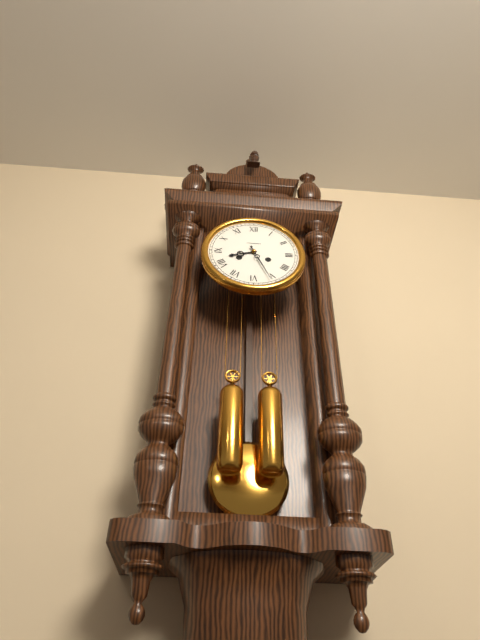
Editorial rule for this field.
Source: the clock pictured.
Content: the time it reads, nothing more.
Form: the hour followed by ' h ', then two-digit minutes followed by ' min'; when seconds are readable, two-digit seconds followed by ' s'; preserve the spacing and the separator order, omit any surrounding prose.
8 h 26 min
